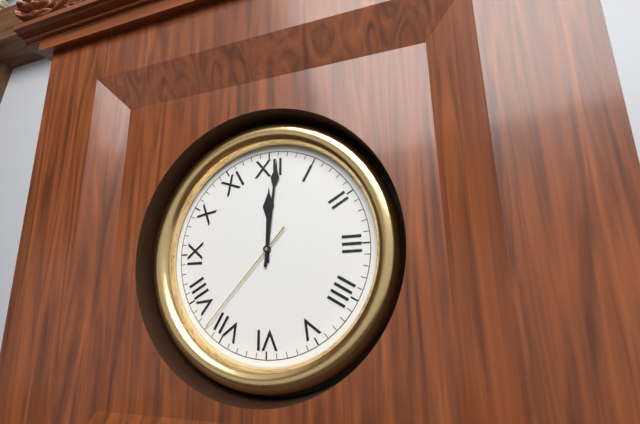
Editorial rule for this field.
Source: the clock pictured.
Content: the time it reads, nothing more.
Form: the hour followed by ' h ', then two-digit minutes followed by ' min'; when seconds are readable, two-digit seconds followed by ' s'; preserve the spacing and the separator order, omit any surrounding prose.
12 h 01 min 37 s
